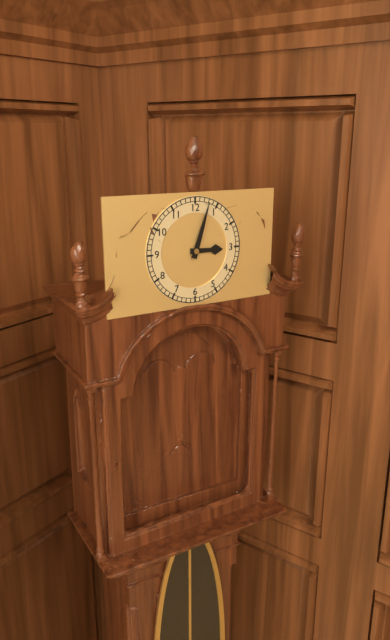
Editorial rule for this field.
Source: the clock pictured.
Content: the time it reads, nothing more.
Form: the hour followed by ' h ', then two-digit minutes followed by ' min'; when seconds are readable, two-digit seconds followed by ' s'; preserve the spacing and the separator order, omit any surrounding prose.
3 h 03 min
